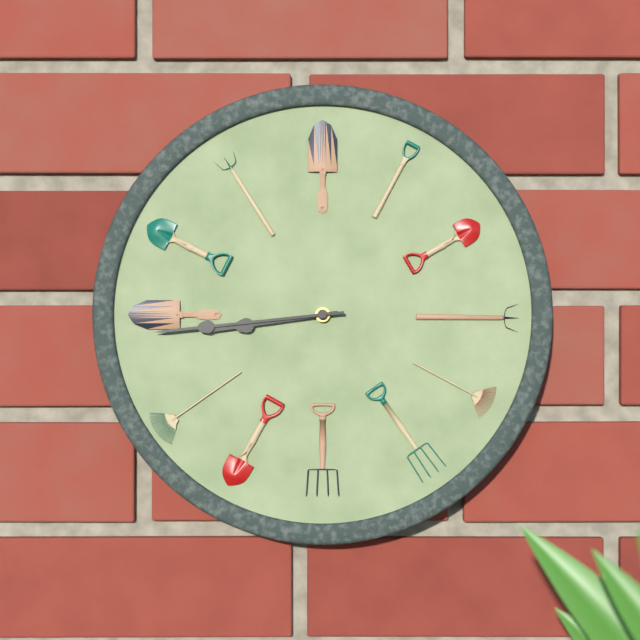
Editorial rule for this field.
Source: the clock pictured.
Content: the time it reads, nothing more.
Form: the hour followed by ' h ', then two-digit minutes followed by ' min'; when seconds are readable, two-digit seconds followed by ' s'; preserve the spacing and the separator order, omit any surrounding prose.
8 h 44 min
